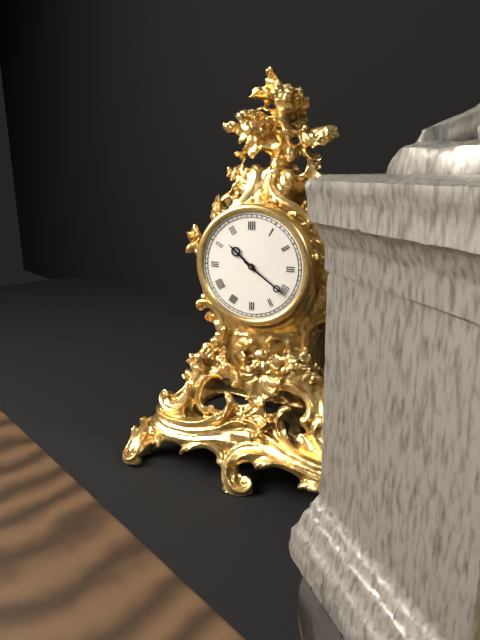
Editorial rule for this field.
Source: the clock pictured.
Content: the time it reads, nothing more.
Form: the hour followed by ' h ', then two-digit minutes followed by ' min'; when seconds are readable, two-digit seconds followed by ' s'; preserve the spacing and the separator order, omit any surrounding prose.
10 h 21 min
